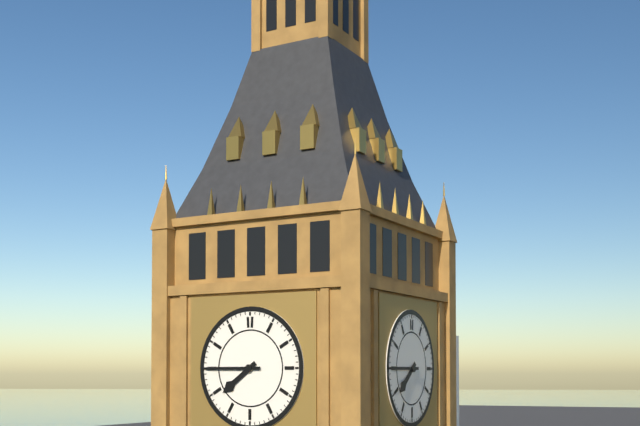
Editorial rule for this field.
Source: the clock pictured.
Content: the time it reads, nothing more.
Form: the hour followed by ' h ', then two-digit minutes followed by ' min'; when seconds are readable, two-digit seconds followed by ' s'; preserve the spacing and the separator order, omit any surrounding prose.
7 h 45 min
